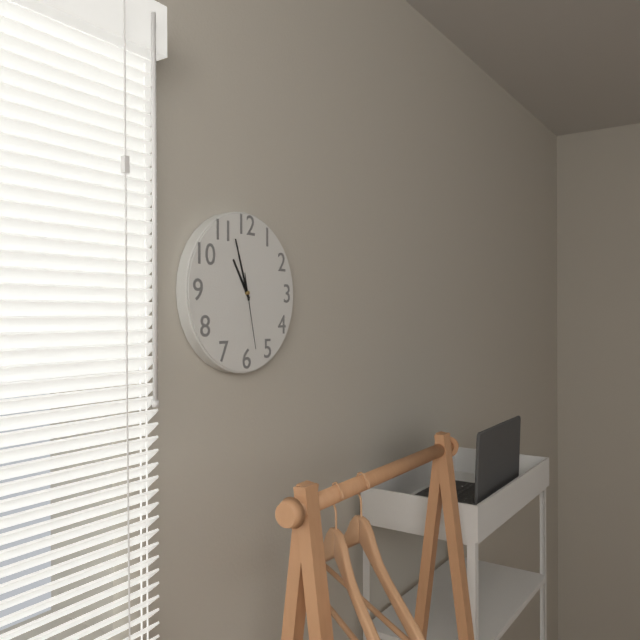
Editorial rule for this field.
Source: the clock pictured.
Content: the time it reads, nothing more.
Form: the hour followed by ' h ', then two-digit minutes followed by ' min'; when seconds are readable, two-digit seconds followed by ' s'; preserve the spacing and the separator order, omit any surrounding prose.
10 h 57 min 28 s
